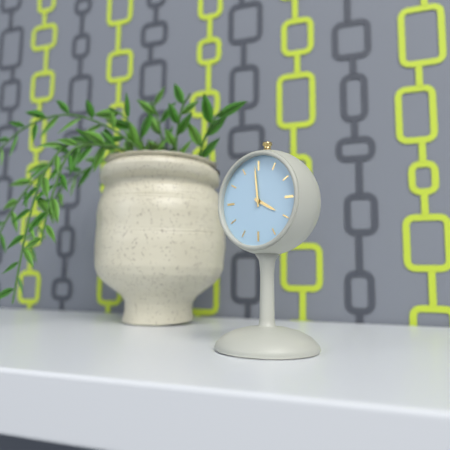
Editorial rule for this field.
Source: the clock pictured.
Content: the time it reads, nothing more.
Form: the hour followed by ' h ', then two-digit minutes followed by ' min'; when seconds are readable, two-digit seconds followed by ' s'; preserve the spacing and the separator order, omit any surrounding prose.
3 h 59 min
